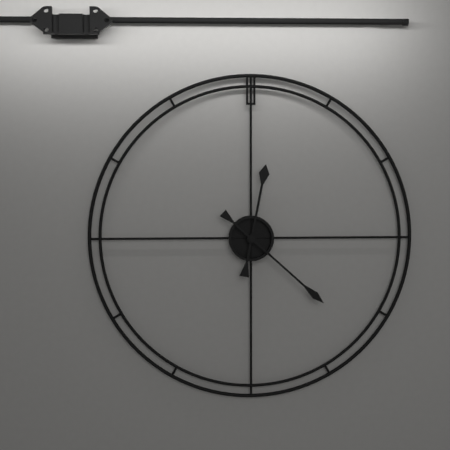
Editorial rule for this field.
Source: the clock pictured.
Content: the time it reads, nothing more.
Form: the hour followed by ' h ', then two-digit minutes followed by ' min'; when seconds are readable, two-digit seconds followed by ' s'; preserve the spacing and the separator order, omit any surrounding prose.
12 h 22 min
